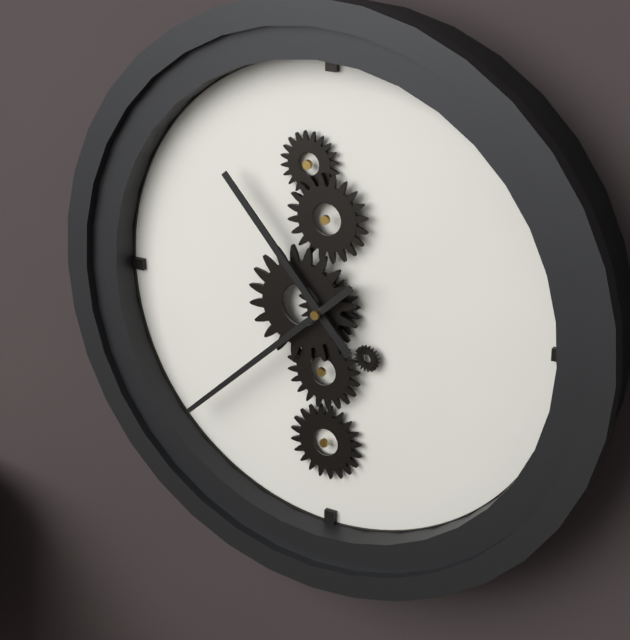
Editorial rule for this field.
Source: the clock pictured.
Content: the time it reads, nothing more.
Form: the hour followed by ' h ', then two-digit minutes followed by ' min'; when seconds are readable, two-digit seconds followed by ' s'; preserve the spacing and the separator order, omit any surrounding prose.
10 h 38 min
